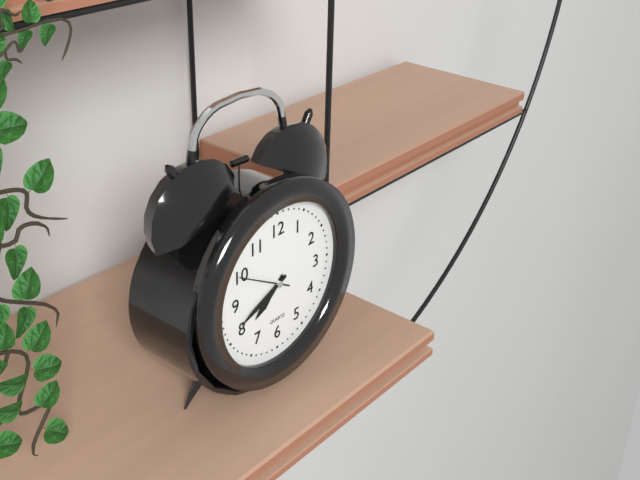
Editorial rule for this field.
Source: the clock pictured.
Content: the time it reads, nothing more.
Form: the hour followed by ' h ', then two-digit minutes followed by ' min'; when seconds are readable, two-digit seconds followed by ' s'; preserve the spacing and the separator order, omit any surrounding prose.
7 h 41 min
